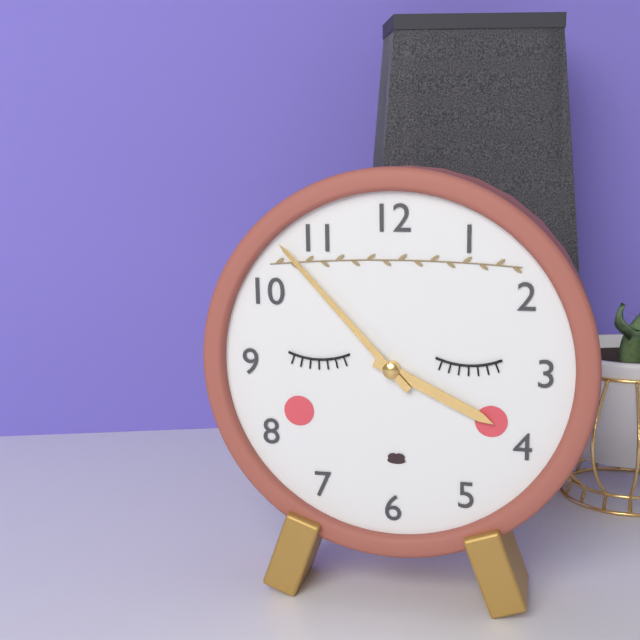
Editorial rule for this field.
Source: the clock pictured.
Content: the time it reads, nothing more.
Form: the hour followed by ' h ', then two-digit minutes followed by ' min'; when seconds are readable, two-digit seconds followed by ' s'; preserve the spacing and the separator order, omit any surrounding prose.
3 h 53 min
